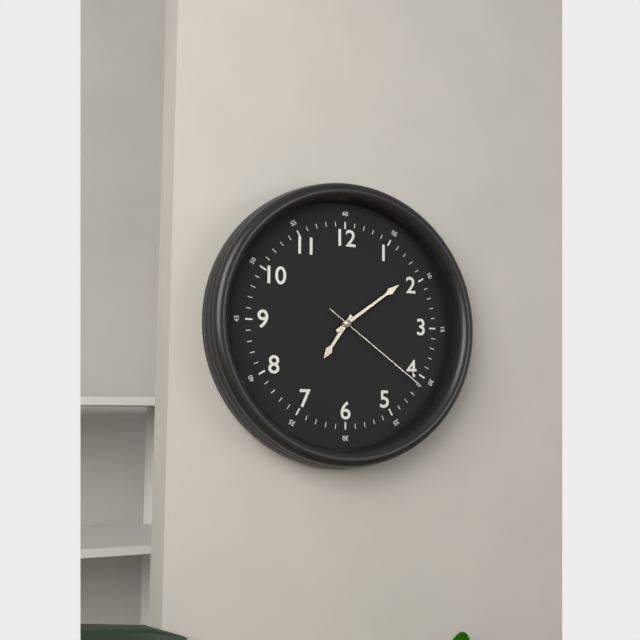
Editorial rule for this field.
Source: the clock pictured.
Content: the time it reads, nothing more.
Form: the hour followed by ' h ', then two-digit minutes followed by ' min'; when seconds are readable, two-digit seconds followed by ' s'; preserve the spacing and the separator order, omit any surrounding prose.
7 h 09 min 21 s
